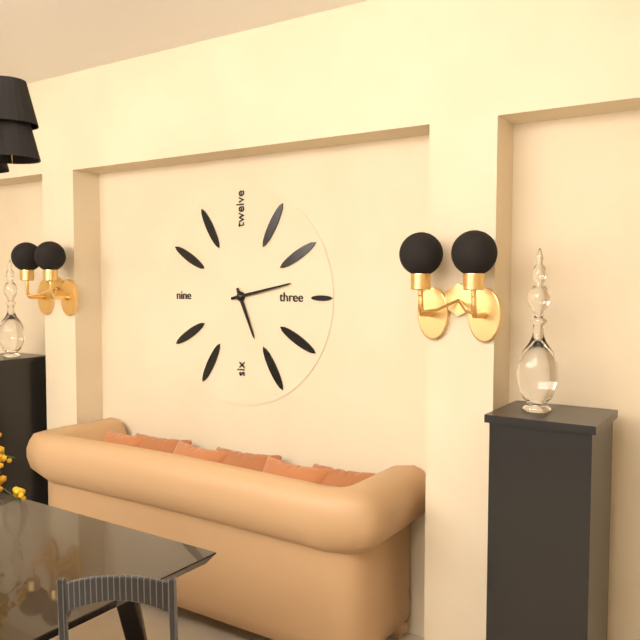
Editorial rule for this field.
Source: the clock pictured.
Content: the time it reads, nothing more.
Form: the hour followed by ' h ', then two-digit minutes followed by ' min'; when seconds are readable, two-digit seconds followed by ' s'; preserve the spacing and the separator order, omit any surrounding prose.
5 h 13 min
